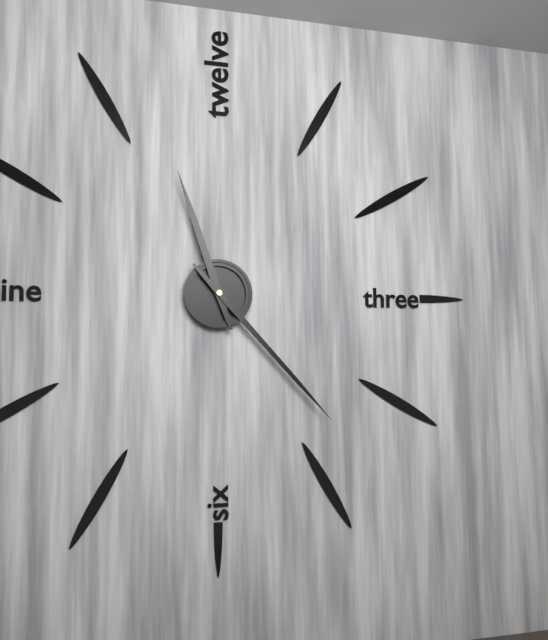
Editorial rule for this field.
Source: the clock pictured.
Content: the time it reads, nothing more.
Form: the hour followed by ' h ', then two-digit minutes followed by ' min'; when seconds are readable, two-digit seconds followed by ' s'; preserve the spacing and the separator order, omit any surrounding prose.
11 h 23 min
